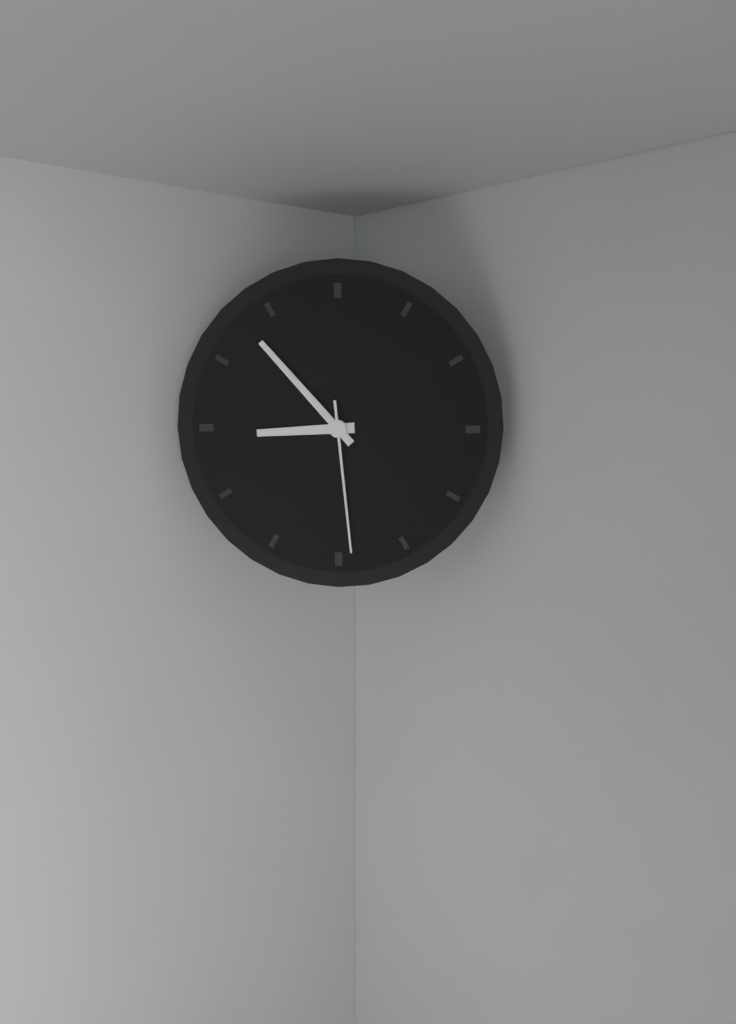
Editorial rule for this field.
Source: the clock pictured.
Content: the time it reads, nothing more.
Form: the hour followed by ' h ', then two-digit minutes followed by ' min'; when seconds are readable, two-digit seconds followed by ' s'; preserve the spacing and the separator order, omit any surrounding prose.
8 h 53 min 29 s
